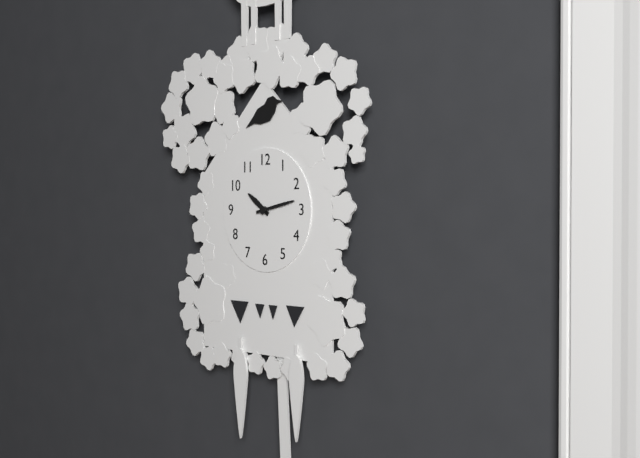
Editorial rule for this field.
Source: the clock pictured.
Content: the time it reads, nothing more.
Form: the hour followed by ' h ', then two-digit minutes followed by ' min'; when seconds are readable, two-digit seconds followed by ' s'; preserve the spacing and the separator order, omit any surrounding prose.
10 h 13 min
